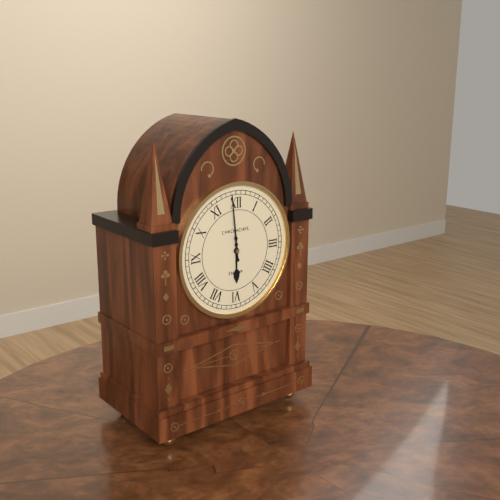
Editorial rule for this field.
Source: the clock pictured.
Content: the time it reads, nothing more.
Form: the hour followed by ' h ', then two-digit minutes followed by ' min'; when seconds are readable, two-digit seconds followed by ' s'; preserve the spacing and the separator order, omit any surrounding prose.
5 h 59 min
